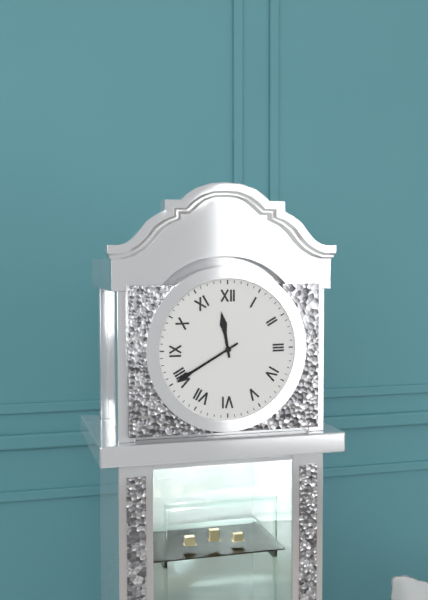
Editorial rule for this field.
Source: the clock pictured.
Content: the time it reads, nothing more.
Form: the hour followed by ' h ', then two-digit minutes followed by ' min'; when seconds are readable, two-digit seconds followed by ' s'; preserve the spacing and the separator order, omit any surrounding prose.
11 h 40 min
